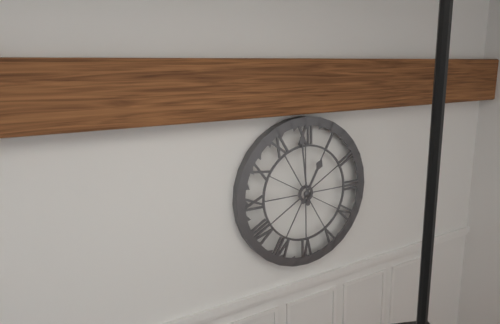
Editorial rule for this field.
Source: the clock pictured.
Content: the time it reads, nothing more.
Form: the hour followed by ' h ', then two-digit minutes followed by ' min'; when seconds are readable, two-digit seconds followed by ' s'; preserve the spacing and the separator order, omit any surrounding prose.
12 h 59 min
